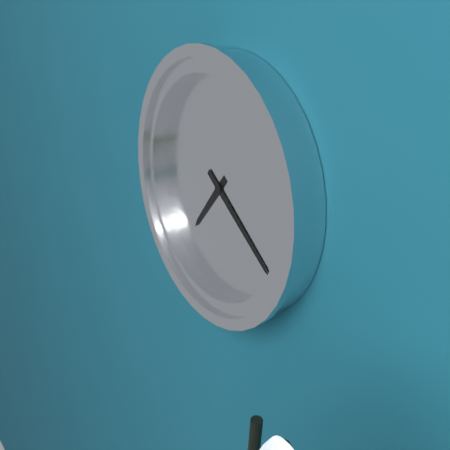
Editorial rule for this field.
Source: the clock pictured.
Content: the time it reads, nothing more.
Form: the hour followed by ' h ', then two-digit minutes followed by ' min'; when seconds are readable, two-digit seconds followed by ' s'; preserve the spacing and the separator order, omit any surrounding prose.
7 h 21 min
